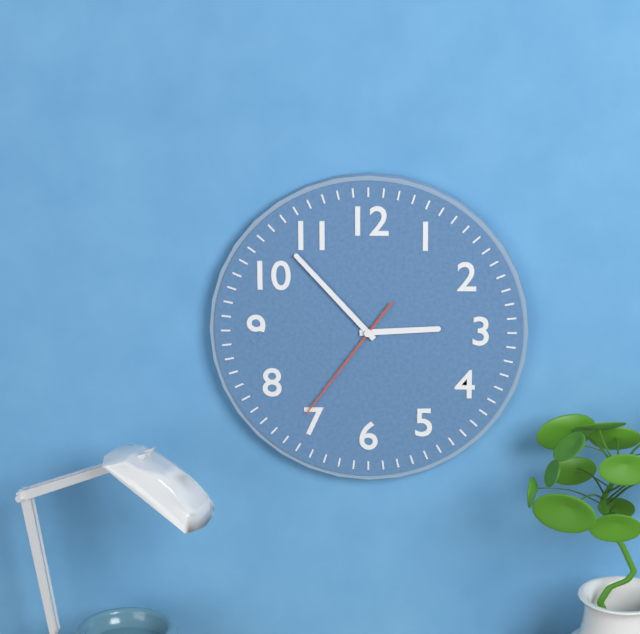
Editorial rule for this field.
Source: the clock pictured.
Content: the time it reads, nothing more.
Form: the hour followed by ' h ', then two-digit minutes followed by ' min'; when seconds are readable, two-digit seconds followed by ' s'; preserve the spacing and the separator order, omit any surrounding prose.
2 h 53 min 36 s
